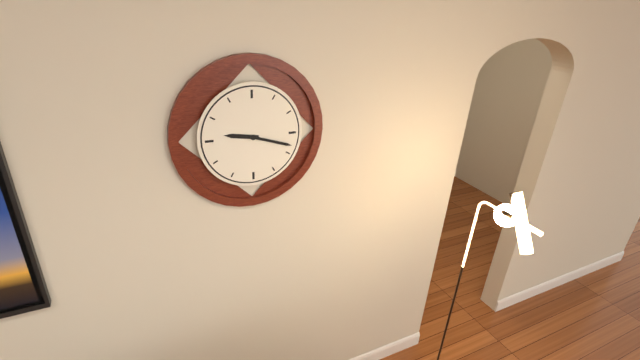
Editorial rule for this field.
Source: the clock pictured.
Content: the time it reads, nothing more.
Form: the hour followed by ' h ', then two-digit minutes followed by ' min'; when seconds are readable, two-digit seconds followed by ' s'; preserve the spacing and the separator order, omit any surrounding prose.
9 h 18 min
